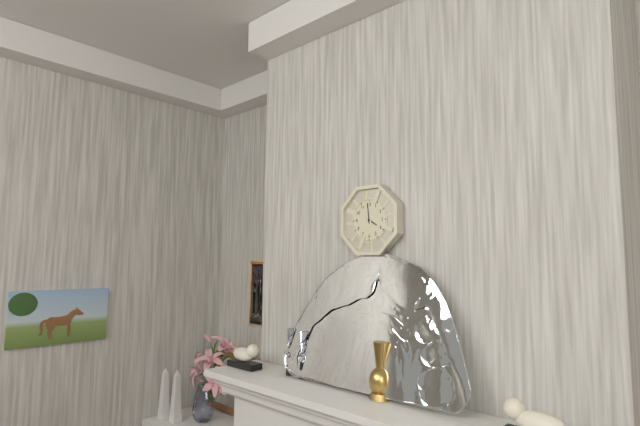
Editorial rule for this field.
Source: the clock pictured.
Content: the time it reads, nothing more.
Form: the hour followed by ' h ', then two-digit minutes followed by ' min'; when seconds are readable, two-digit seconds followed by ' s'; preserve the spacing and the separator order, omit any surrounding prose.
3 h 59 min
